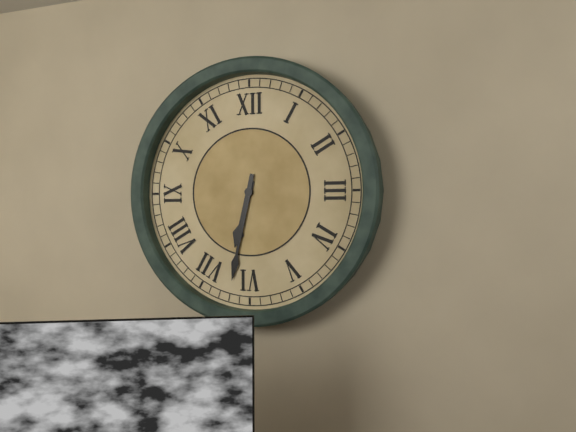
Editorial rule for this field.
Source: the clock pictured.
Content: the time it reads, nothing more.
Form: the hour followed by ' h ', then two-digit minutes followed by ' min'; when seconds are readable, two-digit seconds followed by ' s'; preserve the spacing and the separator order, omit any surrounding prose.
6 h 32 min
